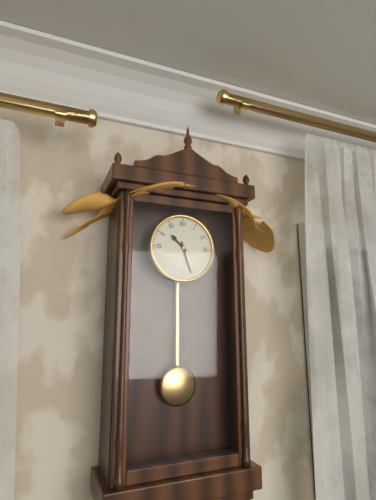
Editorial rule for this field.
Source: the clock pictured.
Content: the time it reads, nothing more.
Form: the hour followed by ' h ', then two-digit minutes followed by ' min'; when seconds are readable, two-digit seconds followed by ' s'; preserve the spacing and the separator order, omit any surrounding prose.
10 h 27 min
